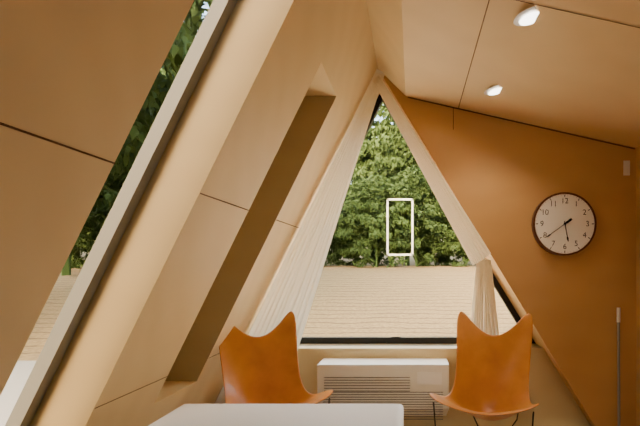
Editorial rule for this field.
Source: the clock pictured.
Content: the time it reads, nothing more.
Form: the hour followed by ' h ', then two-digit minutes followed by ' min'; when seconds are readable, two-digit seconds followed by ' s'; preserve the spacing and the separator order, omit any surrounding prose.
5 h 39 min
